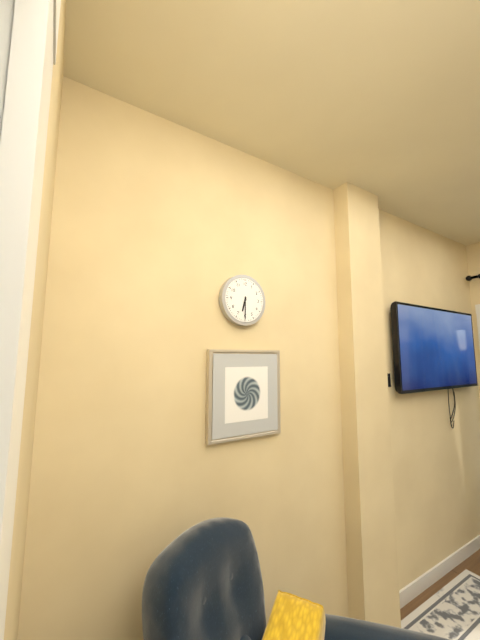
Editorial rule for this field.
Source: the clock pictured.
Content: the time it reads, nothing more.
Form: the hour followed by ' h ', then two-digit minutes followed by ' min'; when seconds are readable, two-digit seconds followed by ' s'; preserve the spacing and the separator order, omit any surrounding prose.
6 h 30 min
